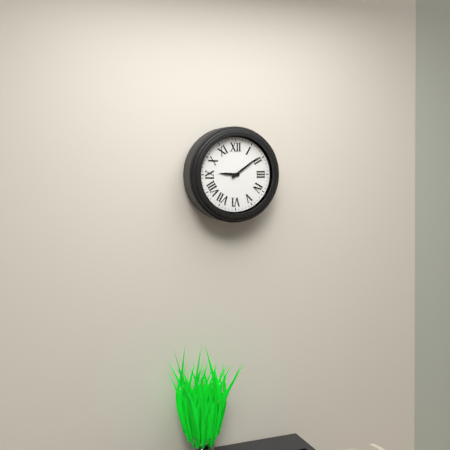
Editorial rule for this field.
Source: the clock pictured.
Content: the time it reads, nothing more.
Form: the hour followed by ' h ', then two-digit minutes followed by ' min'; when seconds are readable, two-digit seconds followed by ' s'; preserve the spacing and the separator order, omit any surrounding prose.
9 h 09 min
